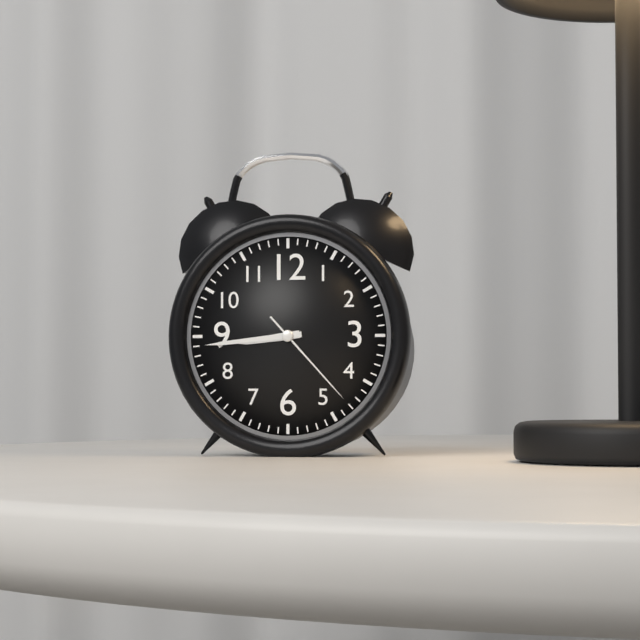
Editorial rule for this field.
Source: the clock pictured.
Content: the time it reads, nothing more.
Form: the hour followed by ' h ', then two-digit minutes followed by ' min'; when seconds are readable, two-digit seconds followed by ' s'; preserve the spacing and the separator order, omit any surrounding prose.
8 h 44 min 23 s
